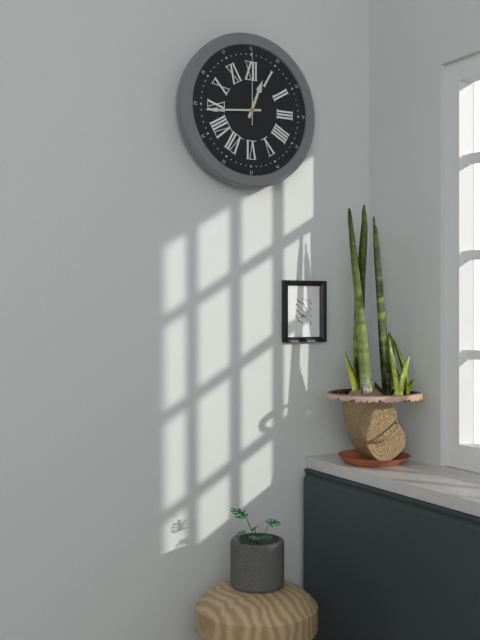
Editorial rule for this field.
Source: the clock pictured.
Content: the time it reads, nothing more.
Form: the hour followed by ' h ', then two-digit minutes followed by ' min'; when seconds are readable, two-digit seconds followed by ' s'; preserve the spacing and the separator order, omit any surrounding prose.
12 h 44 min 00 s
